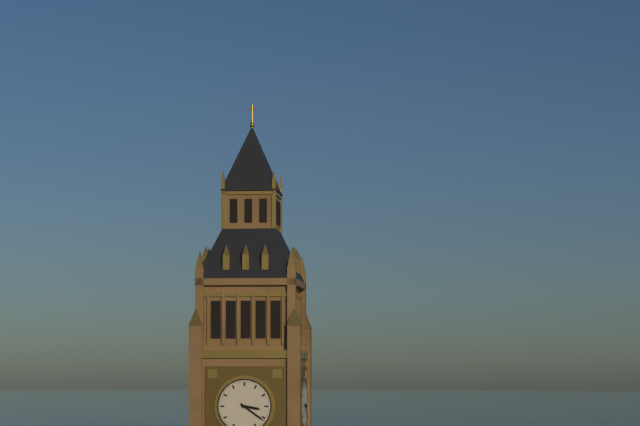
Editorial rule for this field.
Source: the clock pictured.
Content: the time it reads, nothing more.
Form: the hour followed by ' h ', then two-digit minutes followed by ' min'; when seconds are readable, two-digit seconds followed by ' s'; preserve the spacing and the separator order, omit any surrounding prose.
3 h 21 min
